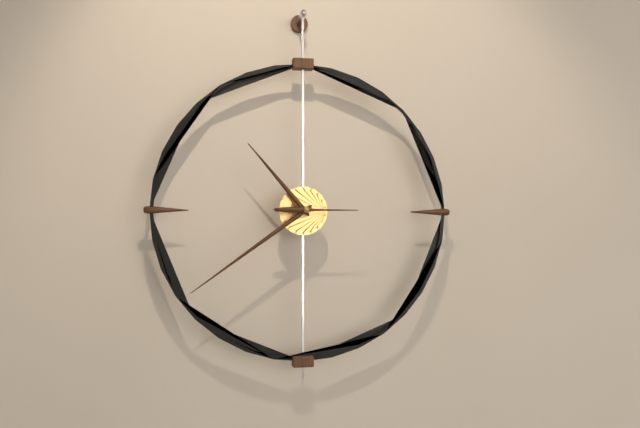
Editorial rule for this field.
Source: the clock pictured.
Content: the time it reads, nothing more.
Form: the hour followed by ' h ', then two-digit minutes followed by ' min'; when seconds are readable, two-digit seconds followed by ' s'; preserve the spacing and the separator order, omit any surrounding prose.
10 h 39 min 15 s
